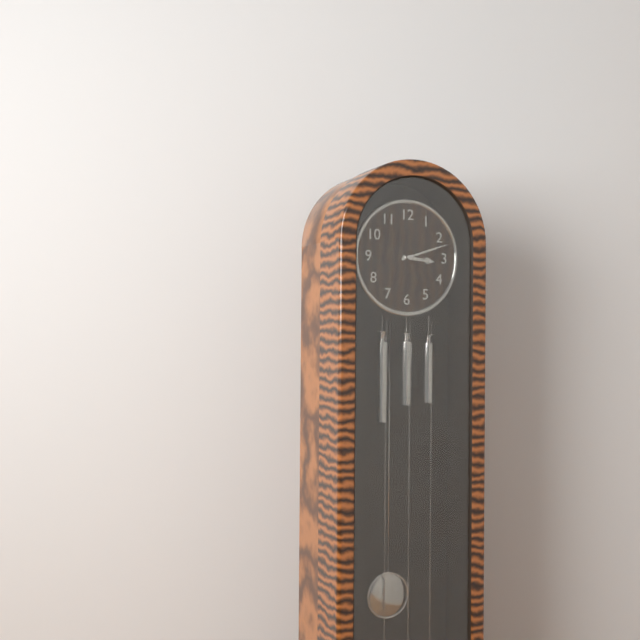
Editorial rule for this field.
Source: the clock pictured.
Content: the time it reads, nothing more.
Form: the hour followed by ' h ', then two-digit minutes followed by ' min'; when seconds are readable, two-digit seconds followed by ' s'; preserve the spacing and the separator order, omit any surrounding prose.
3 h 12 min
